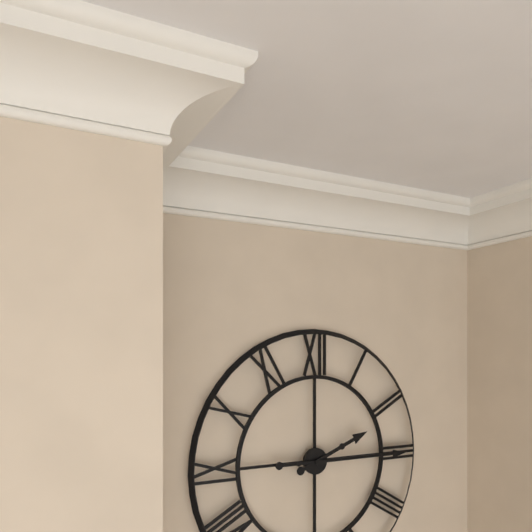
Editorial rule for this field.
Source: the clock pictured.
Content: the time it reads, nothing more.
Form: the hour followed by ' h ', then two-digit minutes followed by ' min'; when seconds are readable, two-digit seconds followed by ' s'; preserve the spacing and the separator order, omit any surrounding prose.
2 h 15 min
